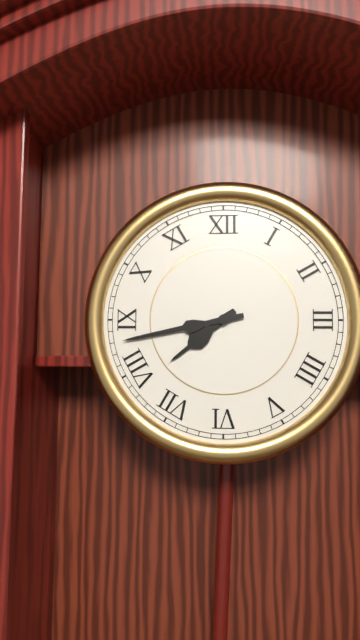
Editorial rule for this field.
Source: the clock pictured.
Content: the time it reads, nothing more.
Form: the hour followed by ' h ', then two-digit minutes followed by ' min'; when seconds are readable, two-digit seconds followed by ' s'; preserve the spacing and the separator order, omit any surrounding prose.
7 h 43 min
